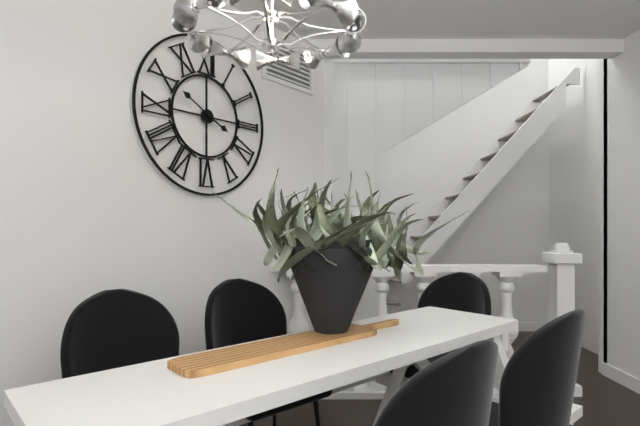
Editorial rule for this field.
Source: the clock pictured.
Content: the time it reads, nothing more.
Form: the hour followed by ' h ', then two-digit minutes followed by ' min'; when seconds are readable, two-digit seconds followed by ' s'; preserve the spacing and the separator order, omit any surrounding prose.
3 h 50 min
